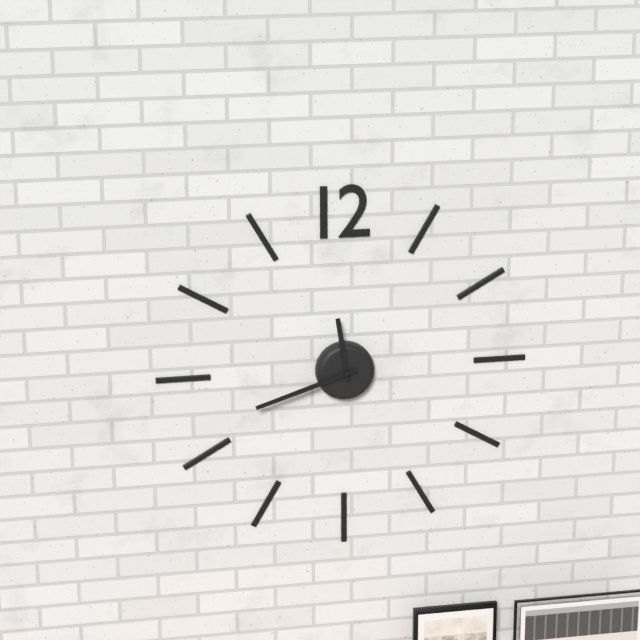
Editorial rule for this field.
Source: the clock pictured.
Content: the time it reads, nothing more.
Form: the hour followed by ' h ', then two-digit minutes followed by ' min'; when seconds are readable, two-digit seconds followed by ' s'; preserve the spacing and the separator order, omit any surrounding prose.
11 h 42 min
